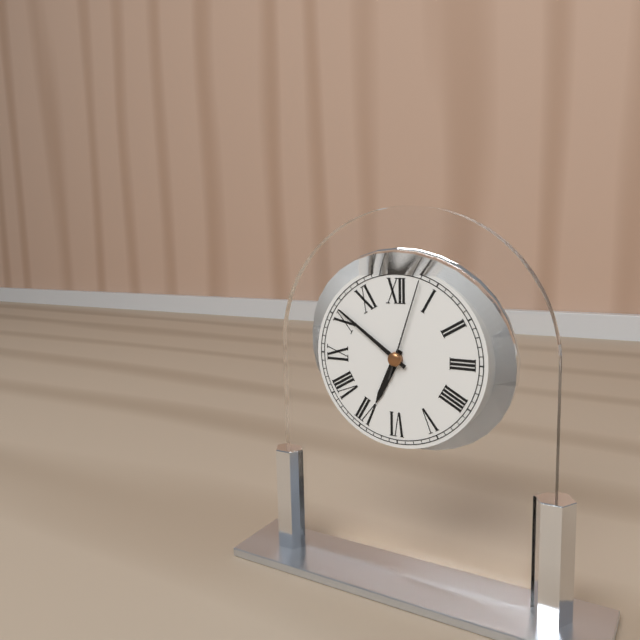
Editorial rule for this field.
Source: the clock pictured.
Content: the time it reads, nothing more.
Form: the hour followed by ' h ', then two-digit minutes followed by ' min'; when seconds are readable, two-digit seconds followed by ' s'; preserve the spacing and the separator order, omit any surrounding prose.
6 h 51 min 03 s
